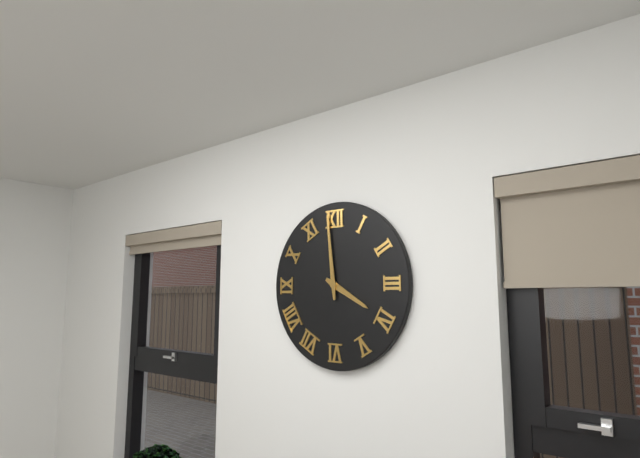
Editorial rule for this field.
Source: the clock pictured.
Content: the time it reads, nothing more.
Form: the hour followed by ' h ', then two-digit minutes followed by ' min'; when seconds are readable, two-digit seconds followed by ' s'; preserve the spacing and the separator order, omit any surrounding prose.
3 h 59 min
